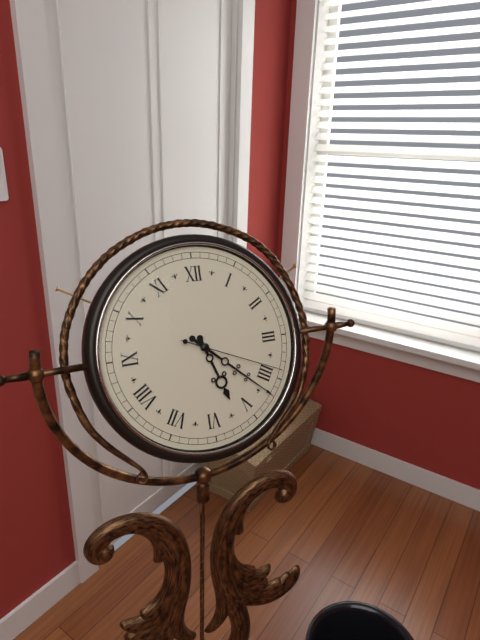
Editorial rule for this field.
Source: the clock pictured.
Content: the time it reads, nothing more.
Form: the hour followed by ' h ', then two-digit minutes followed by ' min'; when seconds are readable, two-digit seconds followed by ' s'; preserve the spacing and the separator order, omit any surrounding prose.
5 h 22 min 19 s
